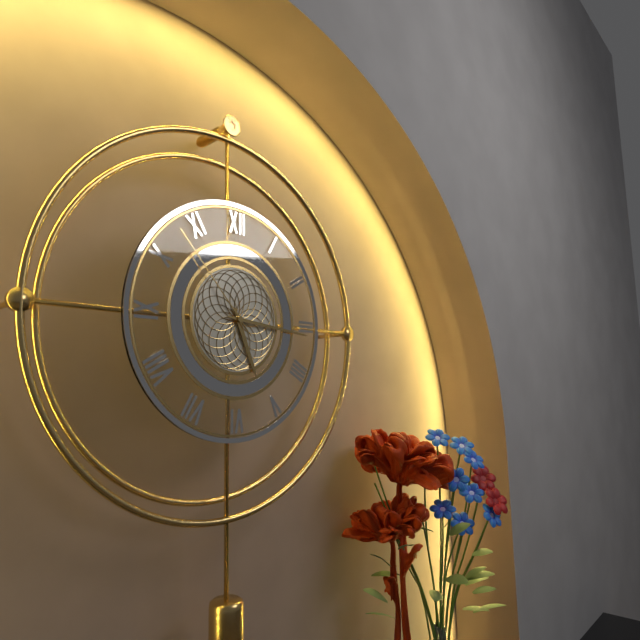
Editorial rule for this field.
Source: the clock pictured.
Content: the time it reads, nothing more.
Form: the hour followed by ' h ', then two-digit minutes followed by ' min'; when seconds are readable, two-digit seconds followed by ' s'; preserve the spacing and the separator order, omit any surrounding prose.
5 h 16 min 53 s
